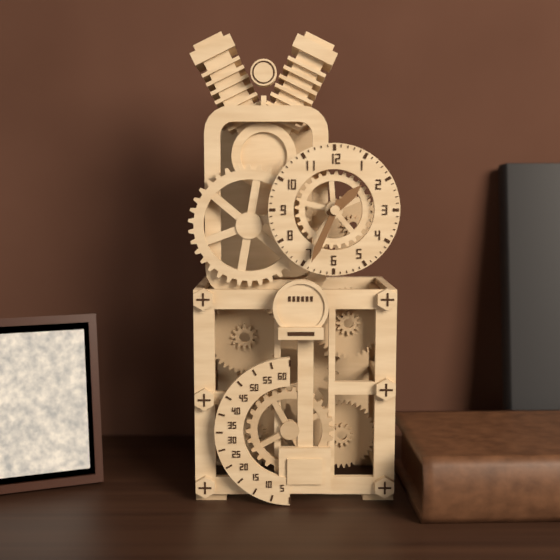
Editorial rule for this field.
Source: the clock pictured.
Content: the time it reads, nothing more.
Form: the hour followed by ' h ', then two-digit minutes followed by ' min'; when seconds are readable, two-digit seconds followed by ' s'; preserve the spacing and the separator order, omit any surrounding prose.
1 h 34 min
